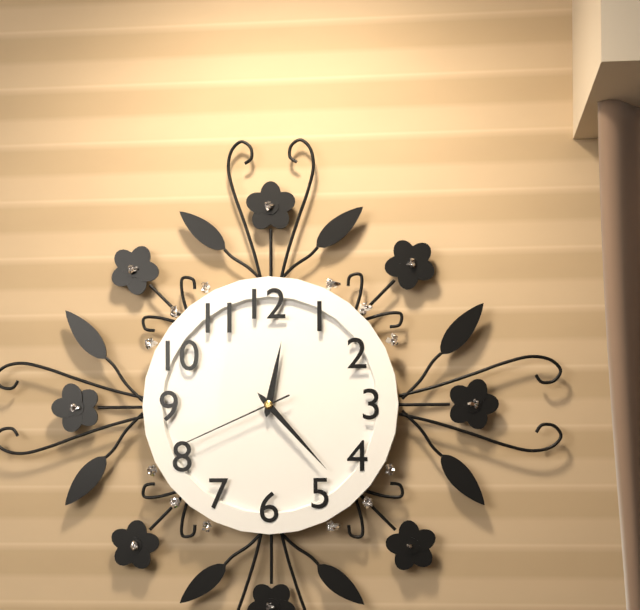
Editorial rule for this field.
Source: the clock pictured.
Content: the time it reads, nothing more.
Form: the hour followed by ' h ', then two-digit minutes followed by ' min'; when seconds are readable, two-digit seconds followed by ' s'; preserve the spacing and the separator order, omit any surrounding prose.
12 h 23 min 41 s
